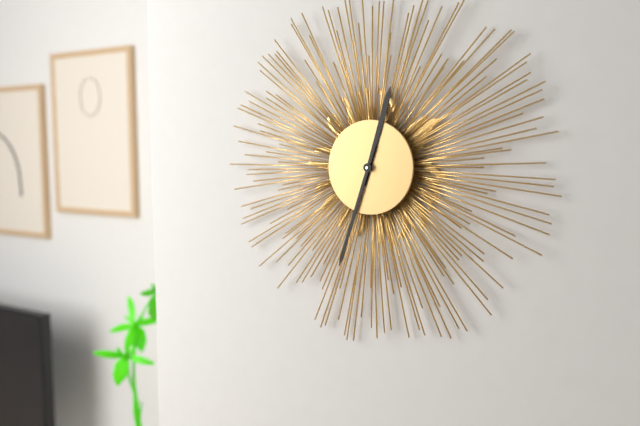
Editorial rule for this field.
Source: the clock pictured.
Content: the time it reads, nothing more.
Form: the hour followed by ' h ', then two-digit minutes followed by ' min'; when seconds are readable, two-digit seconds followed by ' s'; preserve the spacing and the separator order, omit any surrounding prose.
12 h 33 min
